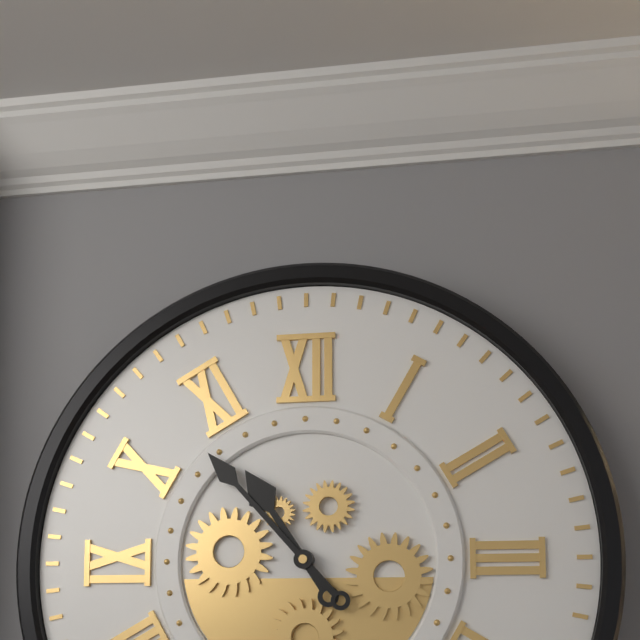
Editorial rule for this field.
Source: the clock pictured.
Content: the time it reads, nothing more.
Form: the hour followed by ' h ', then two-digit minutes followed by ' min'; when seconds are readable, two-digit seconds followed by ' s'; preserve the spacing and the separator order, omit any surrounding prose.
10 h 53 min
